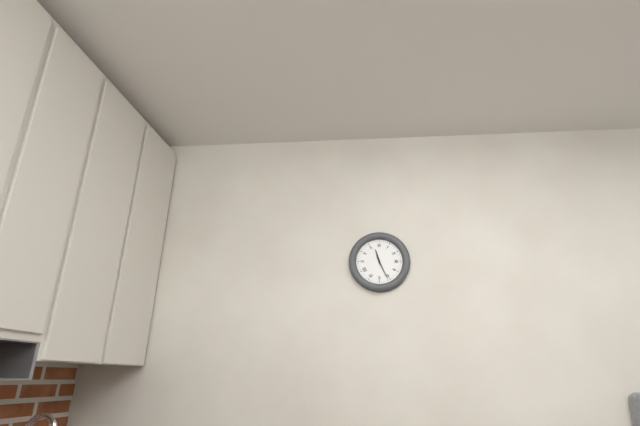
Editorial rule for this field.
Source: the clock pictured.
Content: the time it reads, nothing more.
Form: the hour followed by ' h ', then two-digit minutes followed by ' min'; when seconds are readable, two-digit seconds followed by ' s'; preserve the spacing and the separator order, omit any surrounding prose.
11 h 26 min
